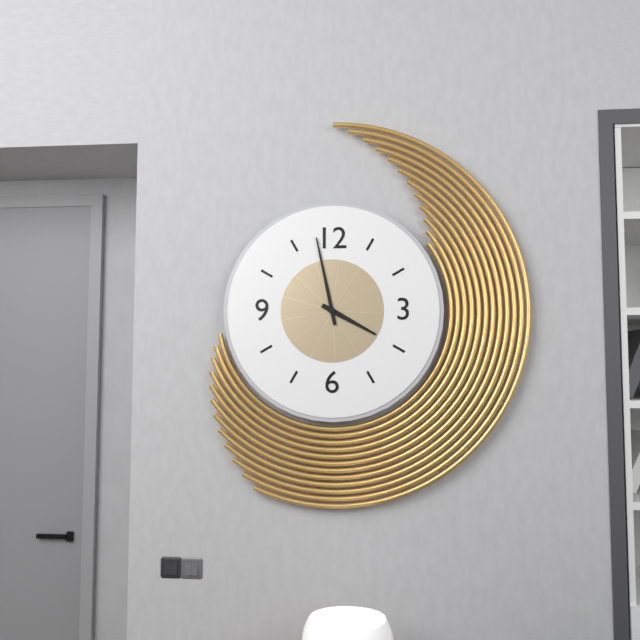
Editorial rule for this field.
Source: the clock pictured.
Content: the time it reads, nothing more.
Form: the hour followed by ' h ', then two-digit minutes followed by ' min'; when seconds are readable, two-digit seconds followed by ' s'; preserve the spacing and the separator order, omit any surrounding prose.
3 h 58 min
